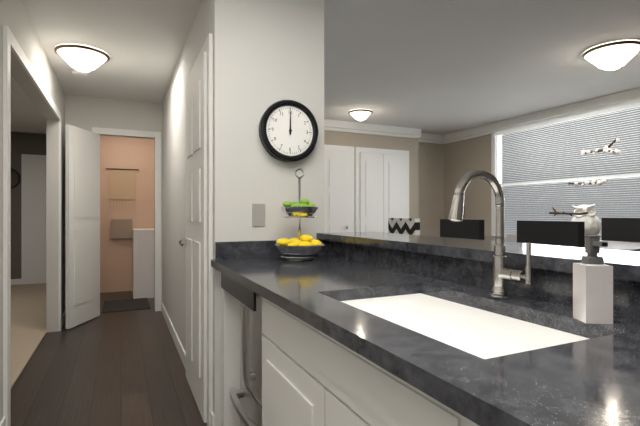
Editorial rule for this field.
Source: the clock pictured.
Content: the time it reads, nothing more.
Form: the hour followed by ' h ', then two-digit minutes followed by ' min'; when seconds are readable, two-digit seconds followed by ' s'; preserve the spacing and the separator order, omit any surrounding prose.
12 h 00 min
